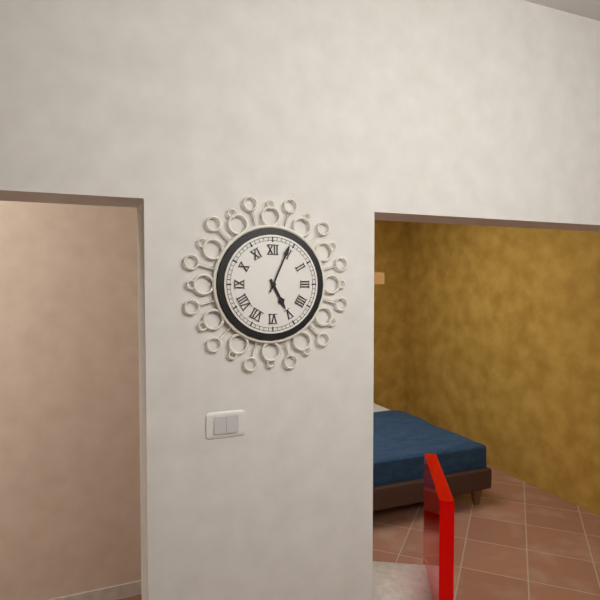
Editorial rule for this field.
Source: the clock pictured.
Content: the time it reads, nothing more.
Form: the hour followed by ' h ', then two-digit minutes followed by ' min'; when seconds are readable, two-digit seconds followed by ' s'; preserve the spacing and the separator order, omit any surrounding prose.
5 h 04 min
